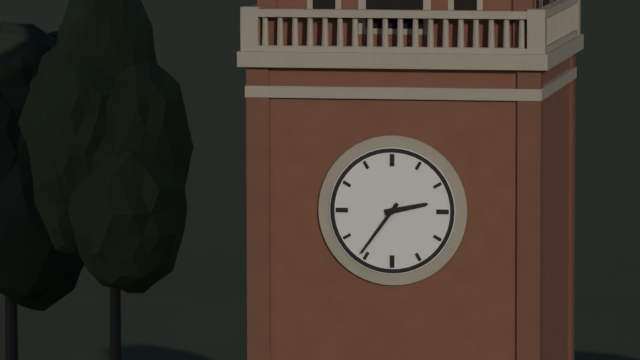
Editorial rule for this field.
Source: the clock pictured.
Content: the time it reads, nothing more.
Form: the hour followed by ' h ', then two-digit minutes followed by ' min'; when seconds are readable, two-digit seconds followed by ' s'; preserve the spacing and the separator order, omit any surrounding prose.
2 h 36 min
